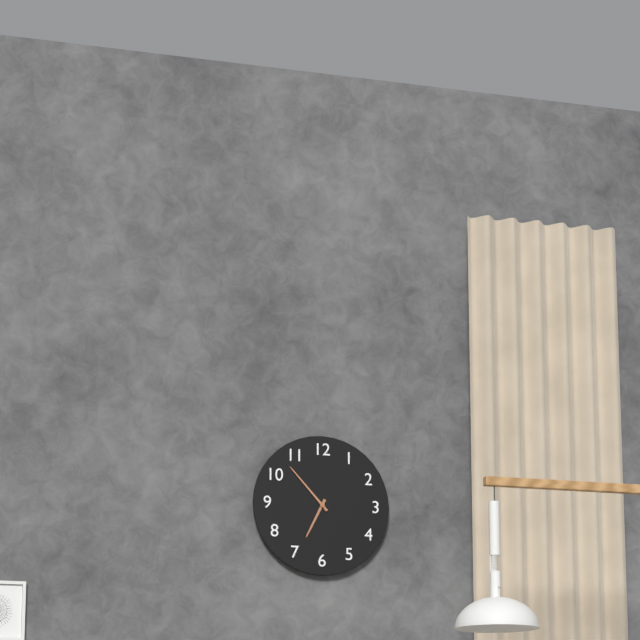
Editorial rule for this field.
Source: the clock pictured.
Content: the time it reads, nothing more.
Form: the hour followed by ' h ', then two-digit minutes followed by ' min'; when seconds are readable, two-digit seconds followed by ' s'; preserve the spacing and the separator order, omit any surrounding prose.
6 h 53 min
